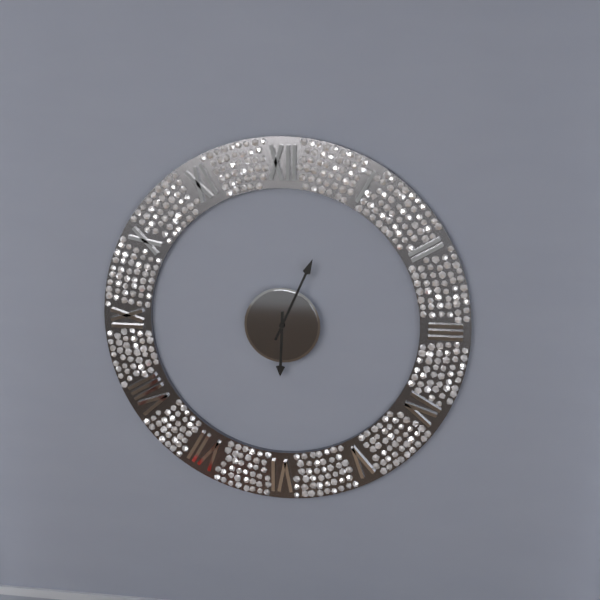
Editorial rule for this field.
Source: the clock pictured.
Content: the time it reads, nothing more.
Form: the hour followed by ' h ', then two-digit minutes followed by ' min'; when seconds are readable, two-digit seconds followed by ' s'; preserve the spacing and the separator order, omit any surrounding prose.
6 h 04 min
